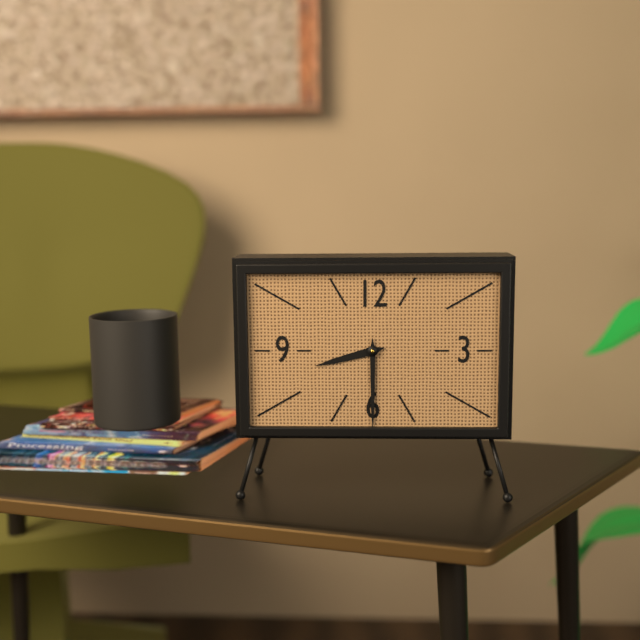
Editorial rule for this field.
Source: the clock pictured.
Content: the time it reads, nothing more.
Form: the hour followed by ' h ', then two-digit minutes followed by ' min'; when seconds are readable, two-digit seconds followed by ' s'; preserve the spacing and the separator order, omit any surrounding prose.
8 h 30 min
